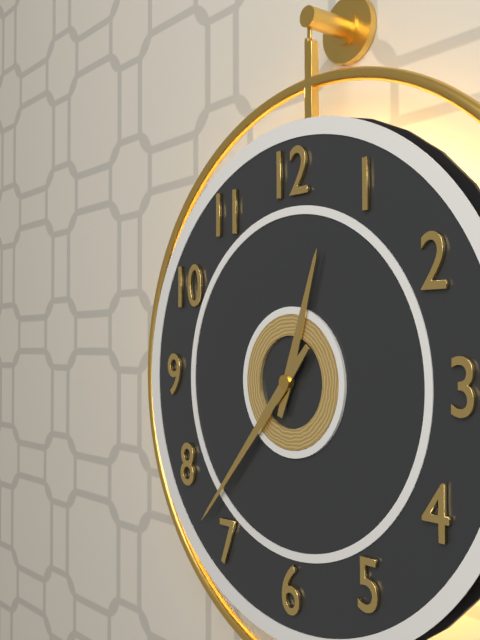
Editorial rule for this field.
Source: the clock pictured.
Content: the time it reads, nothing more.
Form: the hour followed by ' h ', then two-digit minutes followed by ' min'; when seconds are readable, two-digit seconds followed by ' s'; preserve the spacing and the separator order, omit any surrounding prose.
12 h 37 min
